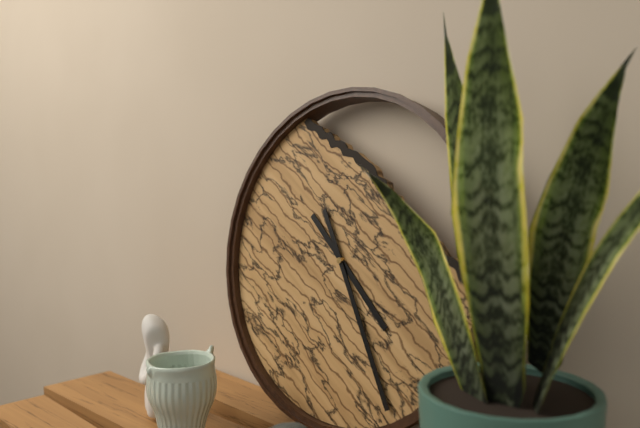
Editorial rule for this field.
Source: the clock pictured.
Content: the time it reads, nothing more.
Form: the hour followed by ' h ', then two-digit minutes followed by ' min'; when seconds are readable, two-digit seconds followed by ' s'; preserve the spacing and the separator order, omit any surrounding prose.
4 h 25 min
